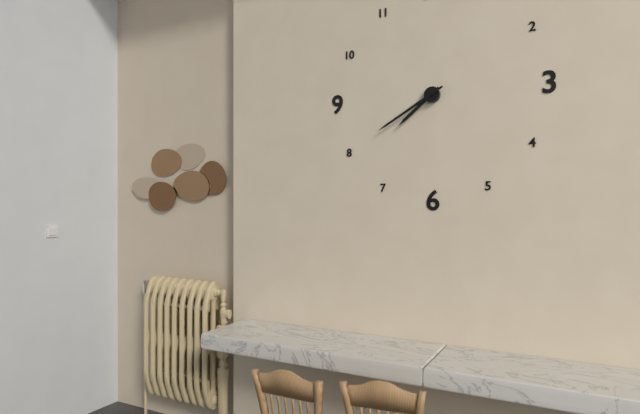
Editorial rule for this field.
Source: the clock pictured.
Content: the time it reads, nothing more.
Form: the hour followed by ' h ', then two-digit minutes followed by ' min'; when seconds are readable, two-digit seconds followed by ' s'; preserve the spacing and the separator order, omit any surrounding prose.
7 h 40 min
